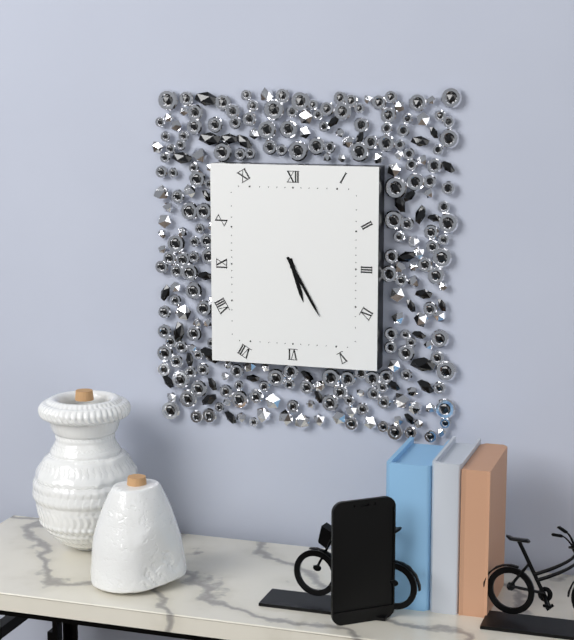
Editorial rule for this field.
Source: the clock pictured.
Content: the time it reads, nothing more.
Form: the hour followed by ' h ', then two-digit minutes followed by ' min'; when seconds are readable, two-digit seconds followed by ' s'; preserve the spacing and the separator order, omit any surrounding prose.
5 h 25 min
